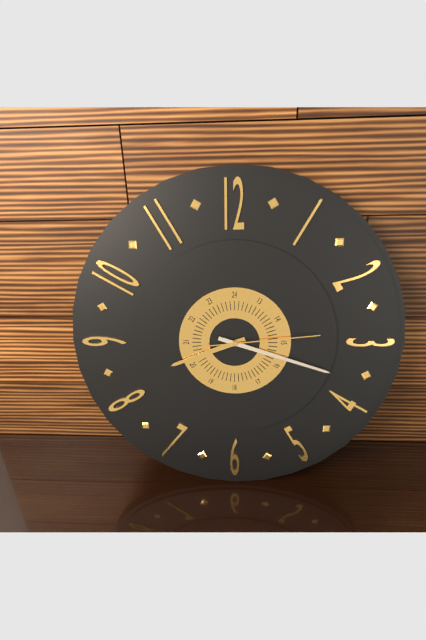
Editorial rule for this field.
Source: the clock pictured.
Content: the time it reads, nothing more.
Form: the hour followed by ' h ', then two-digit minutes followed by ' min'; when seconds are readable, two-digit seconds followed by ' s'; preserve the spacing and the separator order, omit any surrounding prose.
8 h 18 min 14 s
